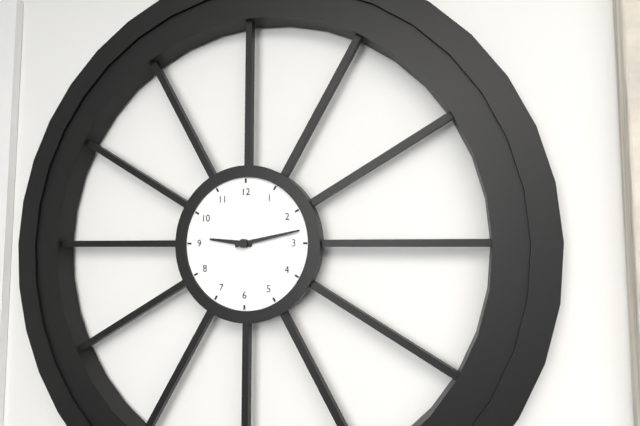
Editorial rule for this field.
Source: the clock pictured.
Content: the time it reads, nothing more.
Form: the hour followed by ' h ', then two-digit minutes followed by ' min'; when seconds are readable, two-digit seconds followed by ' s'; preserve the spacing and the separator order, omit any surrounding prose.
9 h 13 min
